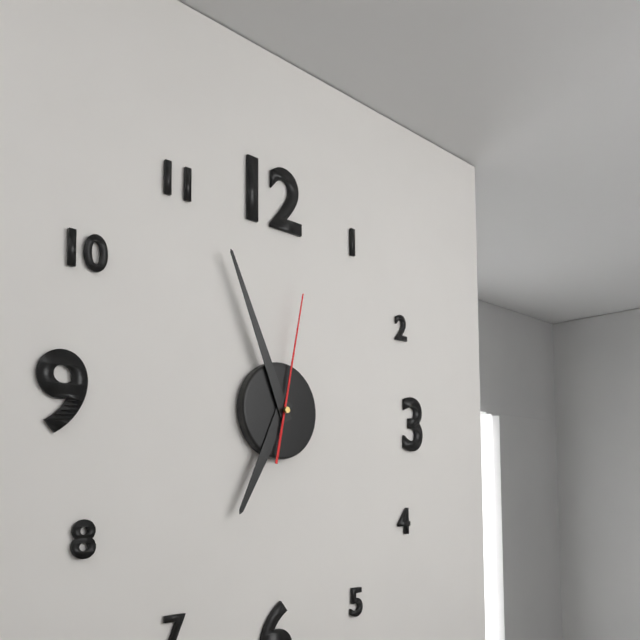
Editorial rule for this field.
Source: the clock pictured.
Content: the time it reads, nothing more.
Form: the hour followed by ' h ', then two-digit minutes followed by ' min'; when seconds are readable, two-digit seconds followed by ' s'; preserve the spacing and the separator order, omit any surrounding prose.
6 h 56 min 02 s
